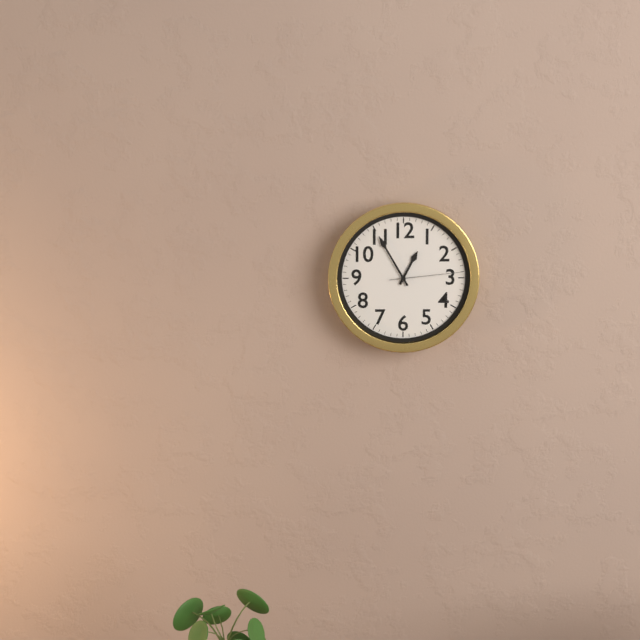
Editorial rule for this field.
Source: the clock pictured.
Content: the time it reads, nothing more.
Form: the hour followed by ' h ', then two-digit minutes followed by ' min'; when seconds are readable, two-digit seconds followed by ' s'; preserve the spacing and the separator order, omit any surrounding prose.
12 h 55 min 14 s
